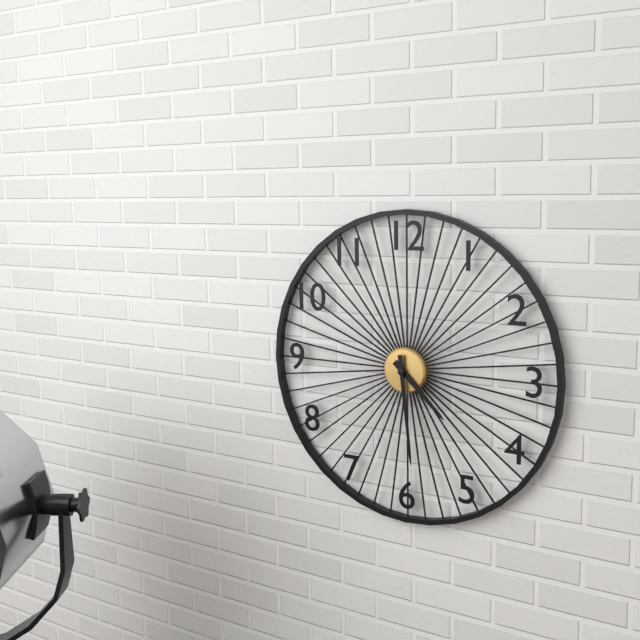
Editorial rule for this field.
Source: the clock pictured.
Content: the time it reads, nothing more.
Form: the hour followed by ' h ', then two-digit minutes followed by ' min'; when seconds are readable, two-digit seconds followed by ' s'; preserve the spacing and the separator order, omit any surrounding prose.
4 h 29 min
